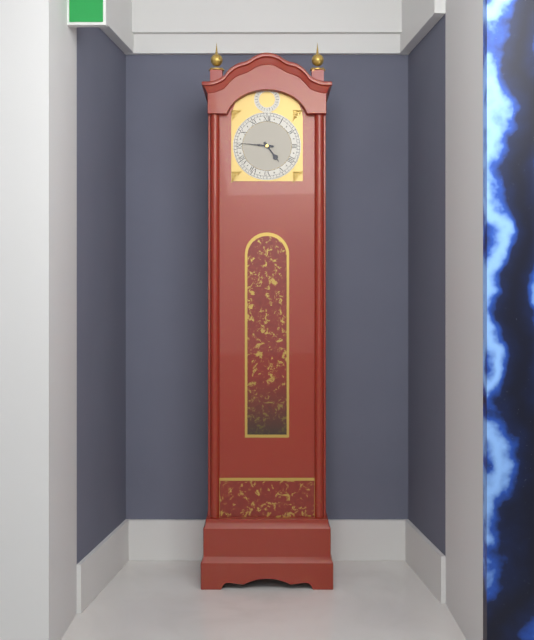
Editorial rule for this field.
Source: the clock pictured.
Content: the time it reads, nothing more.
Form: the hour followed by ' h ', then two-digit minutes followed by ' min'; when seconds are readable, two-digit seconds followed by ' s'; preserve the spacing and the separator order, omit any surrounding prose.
4 h 46 min
